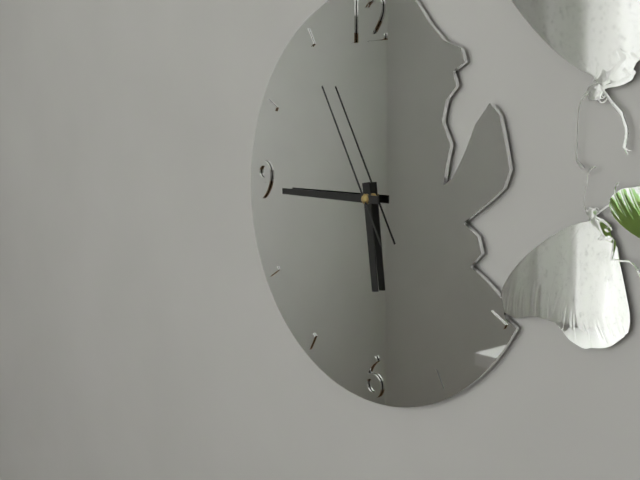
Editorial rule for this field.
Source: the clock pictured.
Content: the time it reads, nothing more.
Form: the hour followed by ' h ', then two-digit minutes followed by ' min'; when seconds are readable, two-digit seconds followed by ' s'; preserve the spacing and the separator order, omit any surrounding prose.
5 h 45 min 55 s
